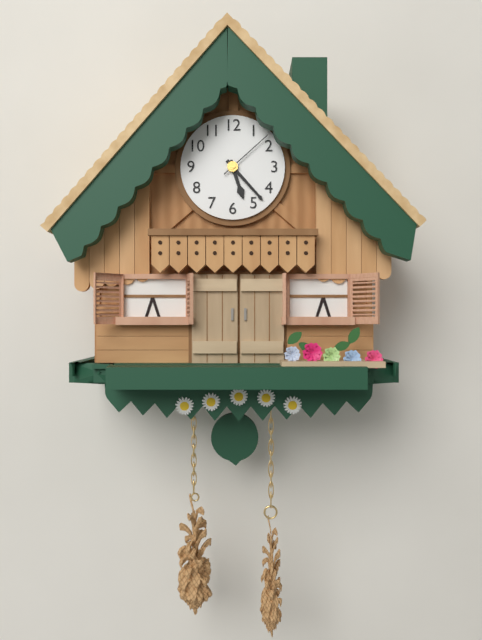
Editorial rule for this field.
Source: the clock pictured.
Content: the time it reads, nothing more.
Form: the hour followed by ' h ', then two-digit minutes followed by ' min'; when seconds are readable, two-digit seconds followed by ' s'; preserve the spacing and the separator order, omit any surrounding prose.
5 h 23 min 08 s
